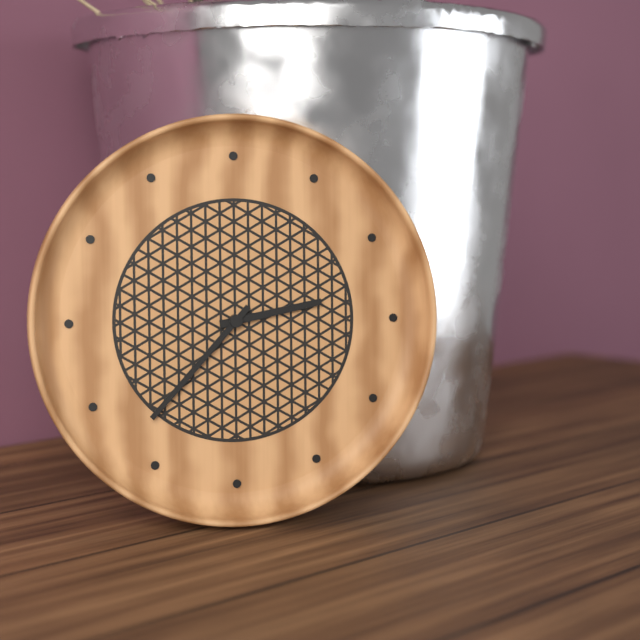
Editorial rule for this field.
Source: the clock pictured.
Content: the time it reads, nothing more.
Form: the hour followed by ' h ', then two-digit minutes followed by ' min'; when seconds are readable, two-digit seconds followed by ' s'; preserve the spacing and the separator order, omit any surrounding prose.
2 h 37 min
